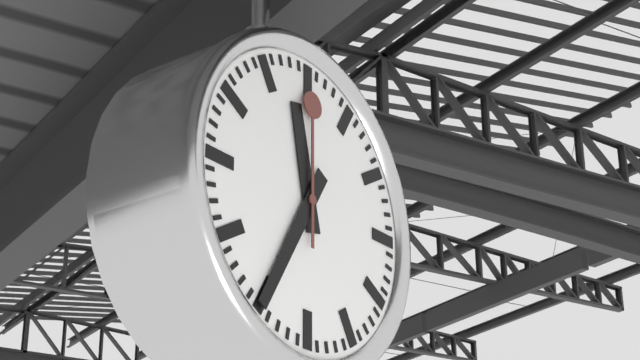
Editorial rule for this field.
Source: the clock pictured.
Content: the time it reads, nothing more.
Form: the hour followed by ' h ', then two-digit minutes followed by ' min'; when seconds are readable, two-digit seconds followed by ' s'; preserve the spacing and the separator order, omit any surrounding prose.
11 h 35 min 00 s
